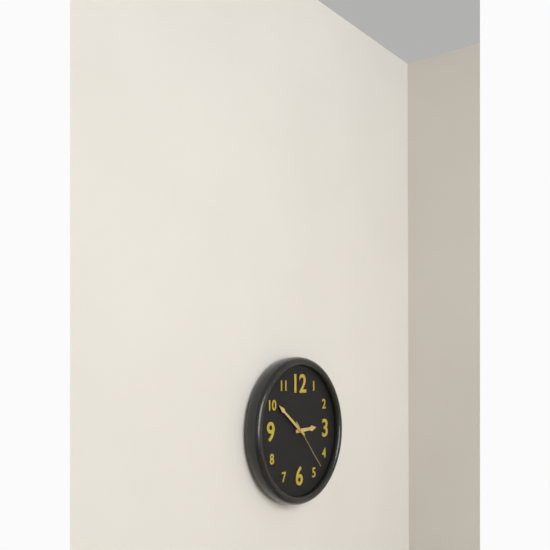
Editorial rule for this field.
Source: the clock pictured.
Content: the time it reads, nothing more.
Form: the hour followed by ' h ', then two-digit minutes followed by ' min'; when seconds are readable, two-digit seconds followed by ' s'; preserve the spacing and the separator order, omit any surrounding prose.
2 h 51 min 23 s
